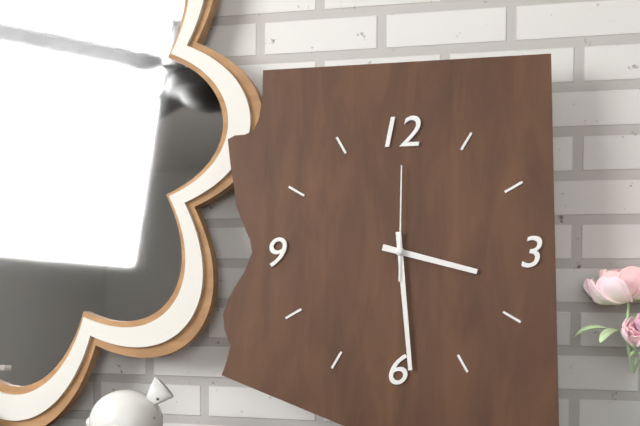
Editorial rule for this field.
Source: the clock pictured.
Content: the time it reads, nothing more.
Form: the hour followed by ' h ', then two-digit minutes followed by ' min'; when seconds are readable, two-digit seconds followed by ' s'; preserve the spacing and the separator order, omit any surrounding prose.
3 h 29 min 00 s
